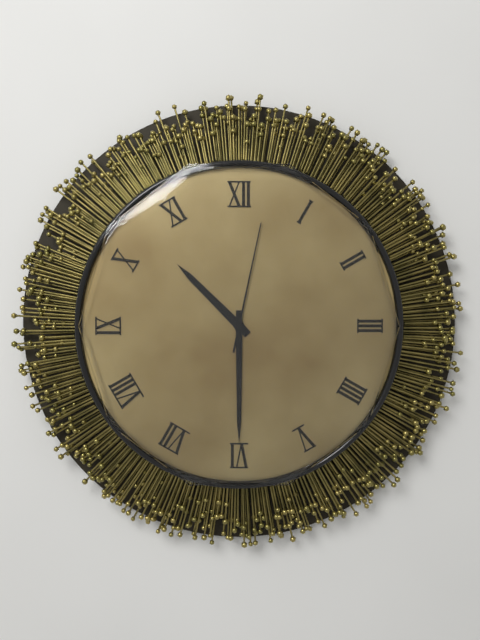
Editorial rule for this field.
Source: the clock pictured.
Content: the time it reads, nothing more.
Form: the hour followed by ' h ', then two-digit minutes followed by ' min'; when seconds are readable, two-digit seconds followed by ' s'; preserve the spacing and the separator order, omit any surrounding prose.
10 h 30 min 02 s
